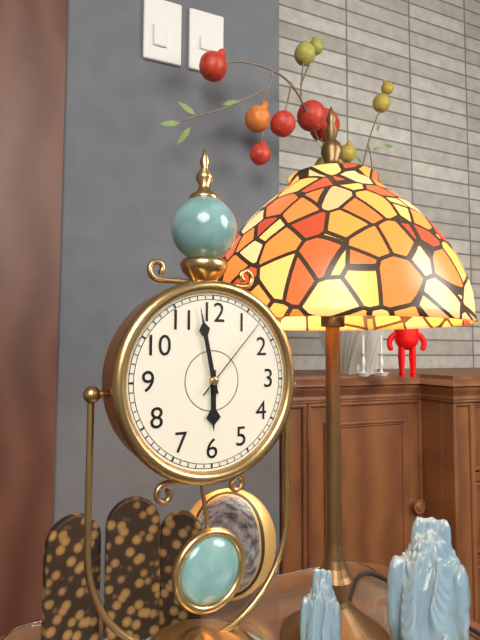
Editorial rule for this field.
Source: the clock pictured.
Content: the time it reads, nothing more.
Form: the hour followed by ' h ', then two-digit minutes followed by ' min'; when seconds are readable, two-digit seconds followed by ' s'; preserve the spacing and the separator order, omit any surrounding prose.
5 h 58 min 07 s
